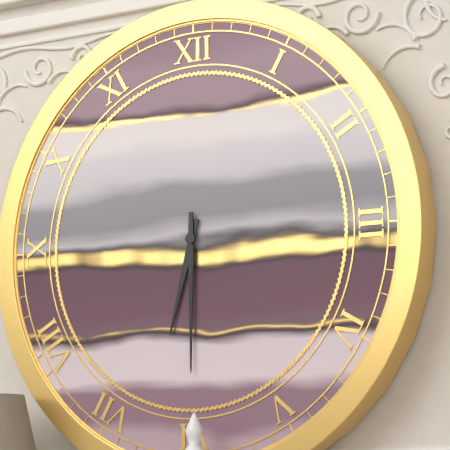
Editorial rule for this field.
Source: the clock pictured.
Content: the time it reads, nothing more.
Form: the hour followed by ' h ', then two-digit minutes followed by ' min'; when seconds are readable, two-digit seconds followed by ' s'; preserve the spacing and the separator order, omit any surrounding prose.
6 h 30 min
